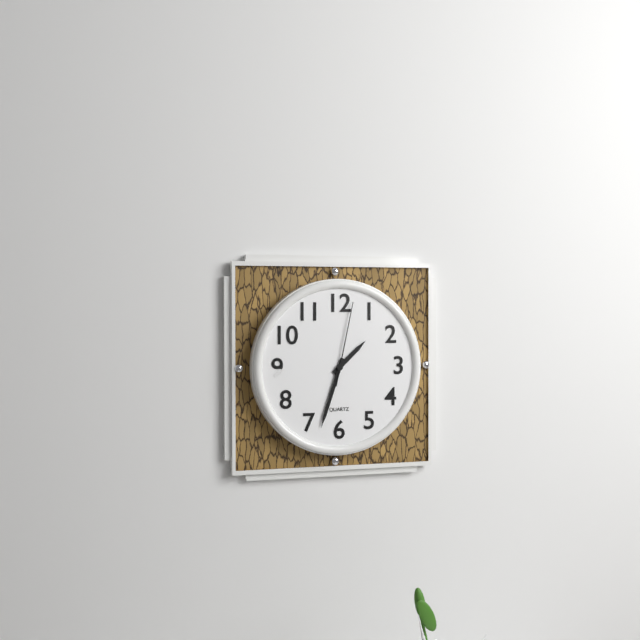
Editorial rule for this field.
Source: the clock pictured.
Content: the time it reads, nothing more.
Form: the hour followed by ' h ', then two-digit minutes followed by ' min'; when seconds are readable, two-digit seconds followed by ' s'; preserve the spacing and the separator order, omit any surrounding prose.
1 h 33 min 02 s
